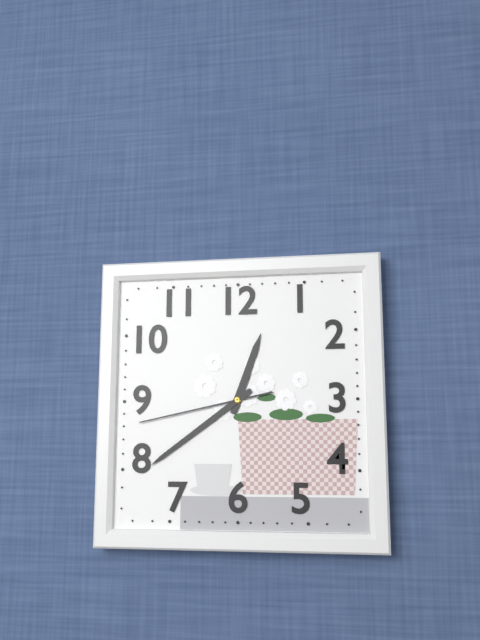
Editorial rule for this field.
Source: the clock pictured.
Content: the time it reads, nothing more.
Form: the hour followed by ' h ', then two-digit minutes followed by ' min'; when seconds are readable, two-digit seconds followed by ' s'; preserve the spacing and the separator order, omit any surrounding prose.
12 h 39 min 43 s
